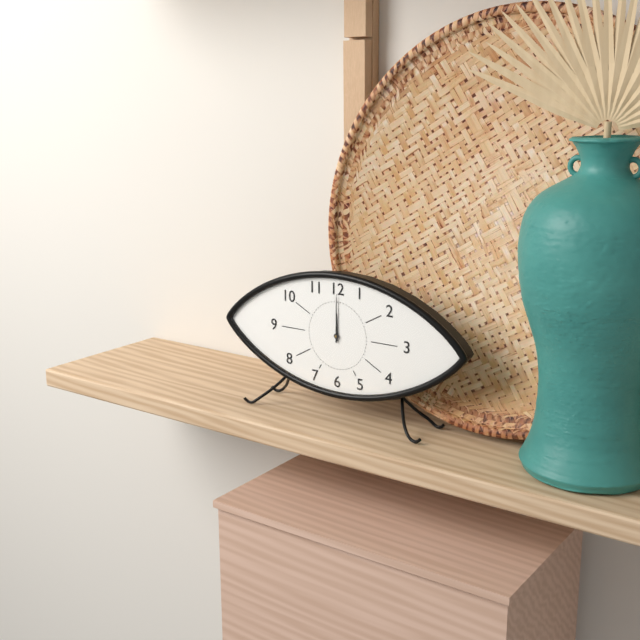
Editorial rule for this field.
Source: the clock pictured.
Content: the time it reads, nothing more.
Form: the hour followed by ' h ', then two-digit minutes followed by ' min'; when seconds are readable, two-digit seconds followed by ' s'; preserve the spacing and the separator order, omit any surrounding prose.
12 h 00 min
